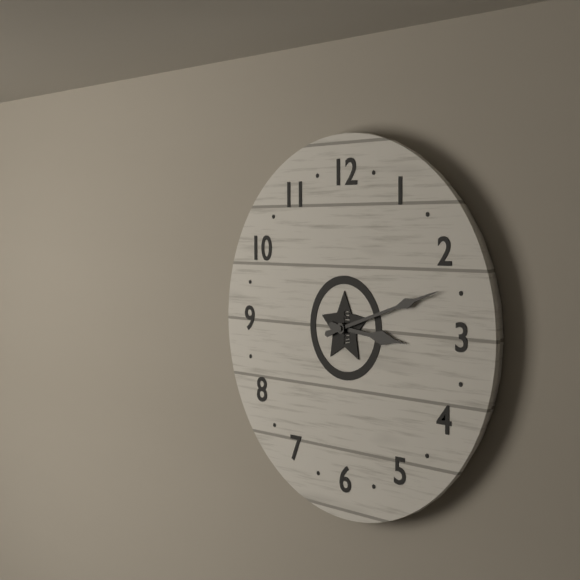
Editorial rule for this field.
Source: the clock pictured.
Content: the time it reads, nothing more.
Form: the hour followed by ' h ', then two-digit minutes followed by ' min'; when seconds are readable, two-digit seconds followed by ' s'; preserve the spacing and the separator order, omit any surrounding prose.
3 h 12 min
